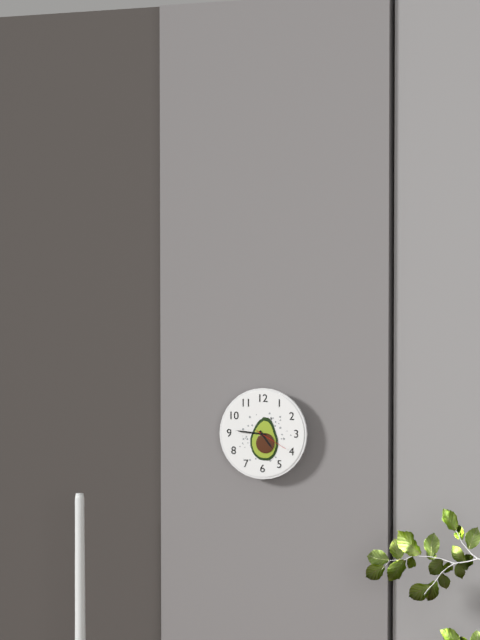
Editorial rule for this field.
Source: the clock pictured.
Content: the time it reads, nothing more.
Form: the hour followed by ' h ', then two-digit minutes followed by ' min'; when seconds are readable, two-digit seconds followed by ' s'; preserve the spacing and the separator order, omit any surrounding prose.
4 h 46 min
